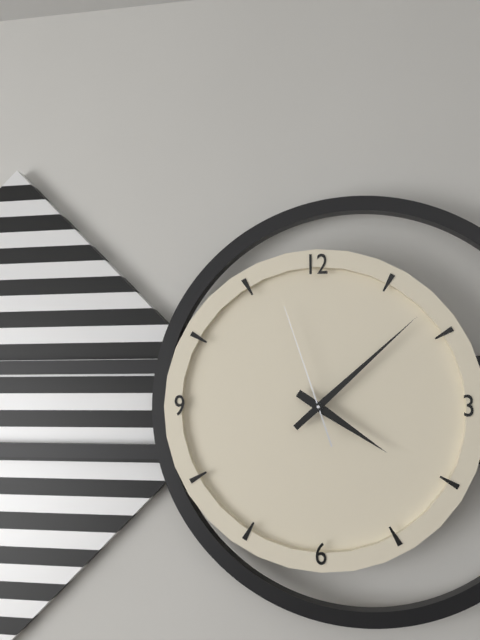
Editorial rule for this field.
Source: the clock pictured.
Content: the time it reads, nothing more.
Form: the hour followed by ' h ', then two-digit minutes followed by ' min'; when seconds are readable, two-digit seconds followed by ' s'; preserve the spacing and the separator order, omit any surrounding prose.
4 h 08 min 57 s
